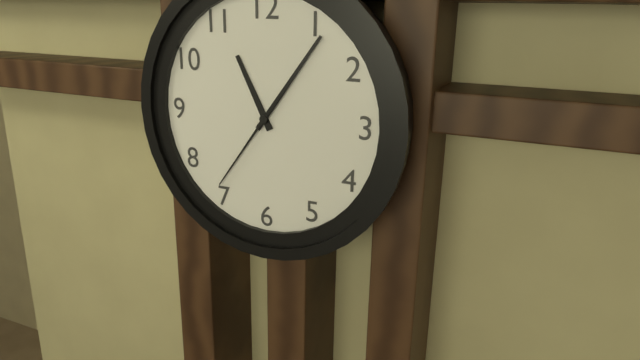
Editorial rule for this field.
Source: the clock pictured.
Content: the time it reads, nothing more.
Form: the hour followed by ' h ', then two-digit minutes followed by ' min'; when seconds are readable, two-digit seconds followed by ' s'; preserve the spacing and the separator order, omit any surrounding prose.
11 h 06 min 36 s
